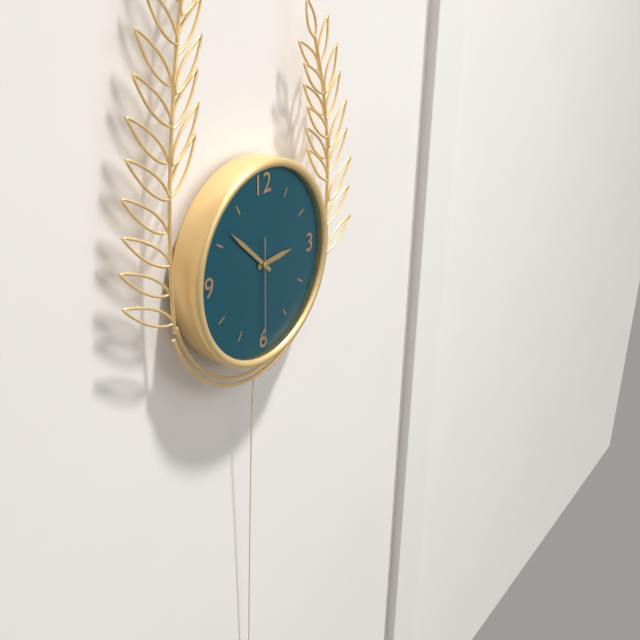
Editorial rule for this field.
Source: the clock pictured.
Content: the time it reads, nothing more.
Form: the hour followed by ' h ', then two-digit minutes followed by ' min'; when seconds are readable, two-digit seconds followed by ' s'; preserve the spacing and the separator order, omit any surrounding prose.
2 h 52 min 30 s
